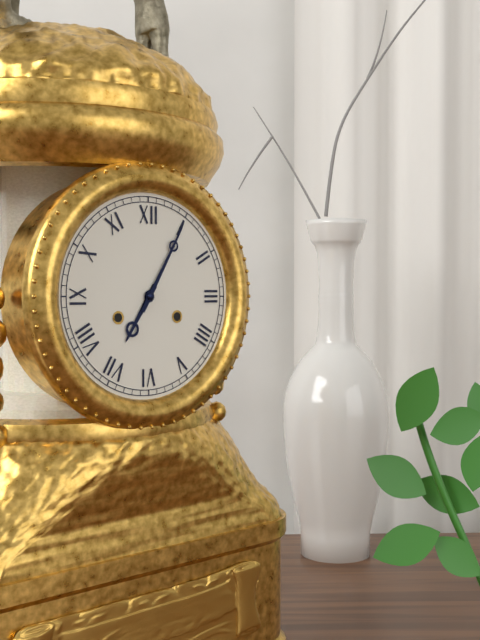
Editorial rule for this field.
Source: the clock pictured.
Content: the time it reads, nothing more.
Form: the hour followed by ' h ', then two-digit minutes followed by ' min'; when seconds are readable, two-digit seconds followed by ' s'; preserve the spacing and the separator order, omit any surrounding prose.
7 h 05 min
